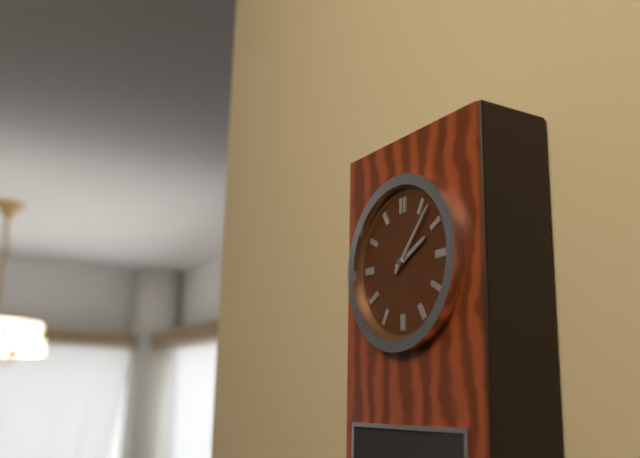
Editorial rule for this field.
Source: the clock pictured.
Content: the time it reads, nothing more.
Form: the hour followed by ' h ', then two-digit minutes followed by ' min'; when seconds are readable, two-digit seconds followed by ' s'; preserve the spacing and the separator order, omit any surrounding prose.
2 h 07 min
